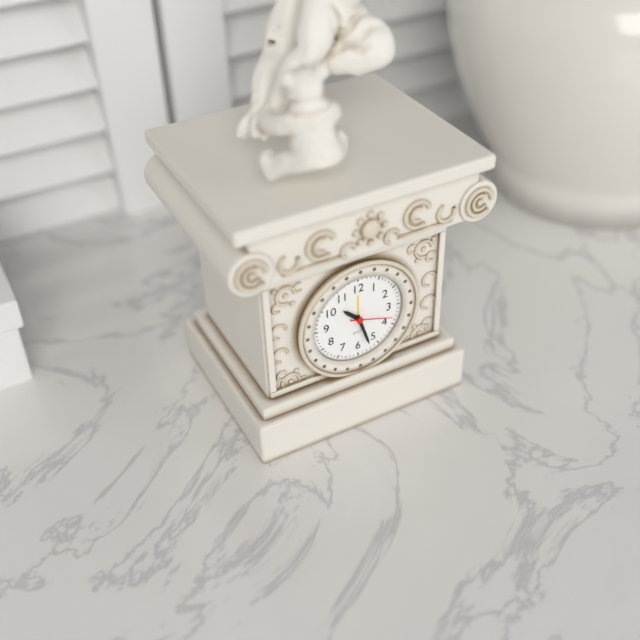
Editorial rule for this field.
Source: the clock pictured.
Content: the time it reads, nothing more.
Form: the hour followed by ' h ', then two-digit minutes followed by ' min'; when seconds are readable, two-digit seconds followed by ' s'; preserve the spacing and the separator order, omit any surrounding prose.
10 h 27 min
